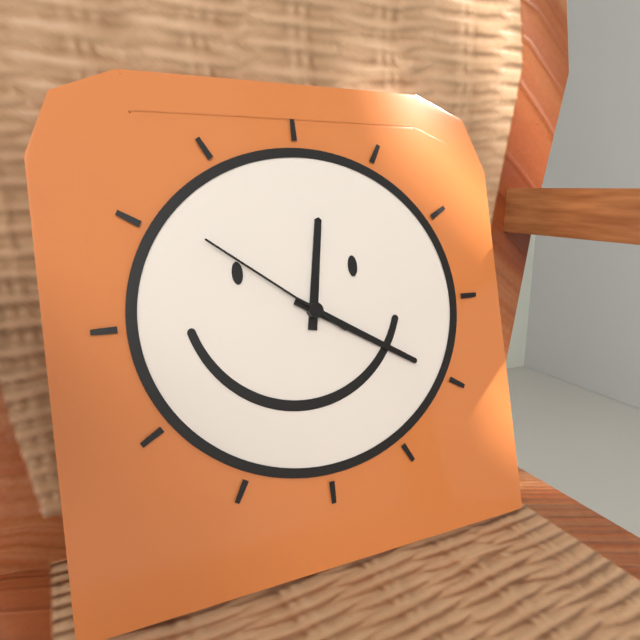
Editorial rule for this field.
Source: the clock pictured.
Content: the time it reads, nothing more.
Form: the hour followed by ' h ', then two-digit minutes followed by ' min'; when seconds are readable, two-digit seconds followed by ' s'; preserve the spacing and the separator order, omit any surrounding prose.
12 h 20 min 51 s
